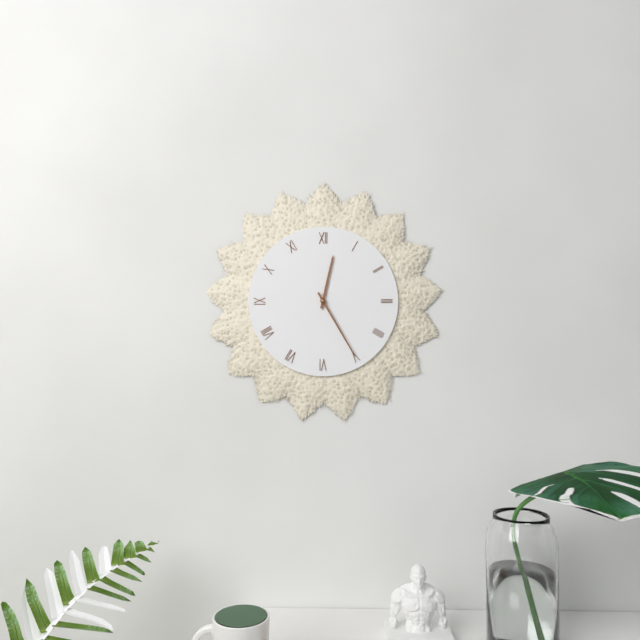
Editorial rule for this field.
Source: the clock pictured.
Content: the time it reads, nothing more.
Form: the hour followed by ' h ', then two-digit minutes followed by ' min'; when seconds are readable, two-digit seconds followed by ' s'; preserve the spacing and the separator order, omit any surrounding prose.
12 h 25 min
